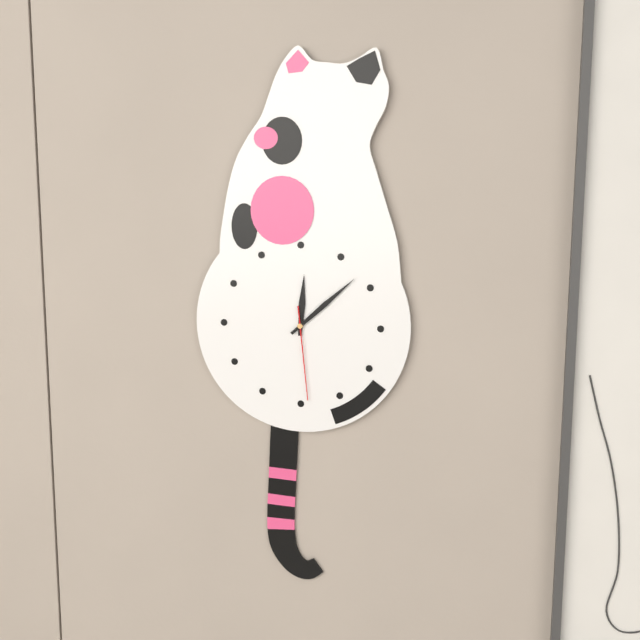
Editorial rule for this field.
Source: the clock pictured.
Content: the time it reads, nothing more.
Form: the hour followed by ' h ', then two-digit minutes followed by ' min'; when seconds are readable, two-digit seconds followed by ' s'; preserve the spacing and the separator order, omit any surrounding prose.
12 h 08 min 29 s
